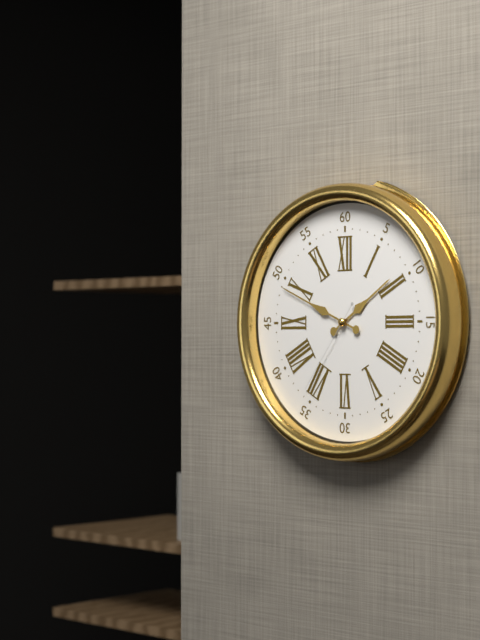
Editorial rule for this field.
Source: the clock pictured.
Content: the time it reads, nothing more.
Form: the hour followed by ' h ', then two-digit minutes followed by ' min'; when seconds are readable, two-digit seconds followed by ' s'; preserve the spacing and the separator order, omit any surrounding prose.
1 h 49 min 36 s
